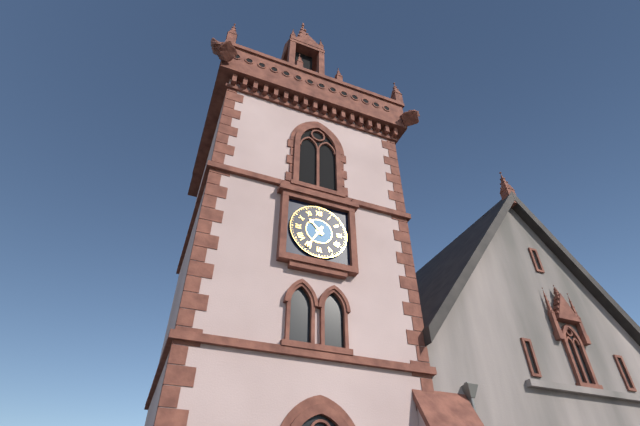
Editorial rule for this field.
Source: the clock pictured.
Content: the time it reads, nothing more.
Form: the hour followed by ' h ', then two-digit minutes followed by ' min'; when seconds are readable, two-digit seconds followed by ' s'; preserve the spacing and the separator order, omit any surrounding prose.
10 h 35 min
